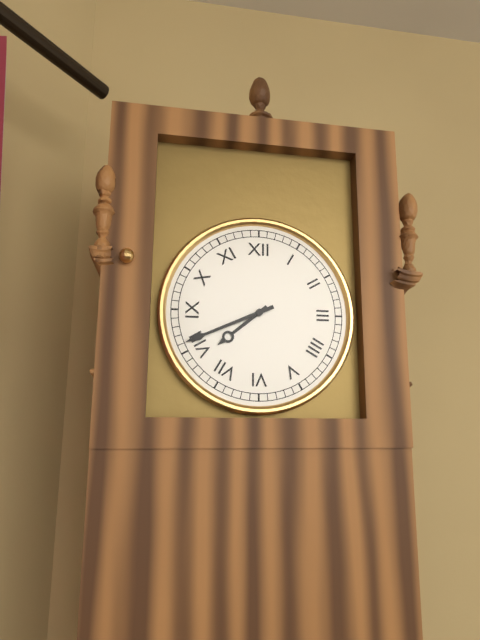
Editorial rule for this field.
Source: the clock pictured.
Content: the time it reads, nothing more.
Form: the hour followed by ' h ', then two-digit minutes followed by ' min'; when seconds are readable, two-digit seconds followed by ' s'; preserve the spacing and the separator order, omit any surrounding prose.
7 h 41 min
